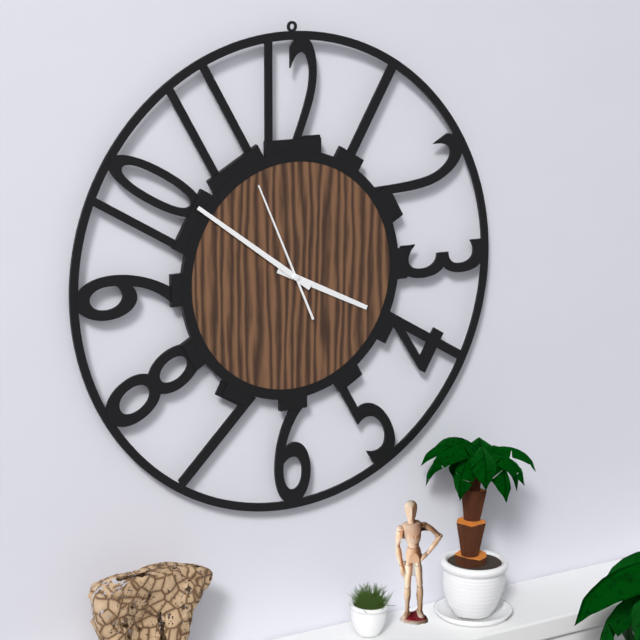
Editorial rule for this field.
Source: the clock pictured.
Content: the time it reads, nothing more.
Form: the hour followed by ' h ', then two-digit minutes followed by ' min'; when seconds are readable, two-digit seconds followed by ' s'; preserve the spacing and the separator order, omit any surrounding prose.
3 h 51 min 56 s
